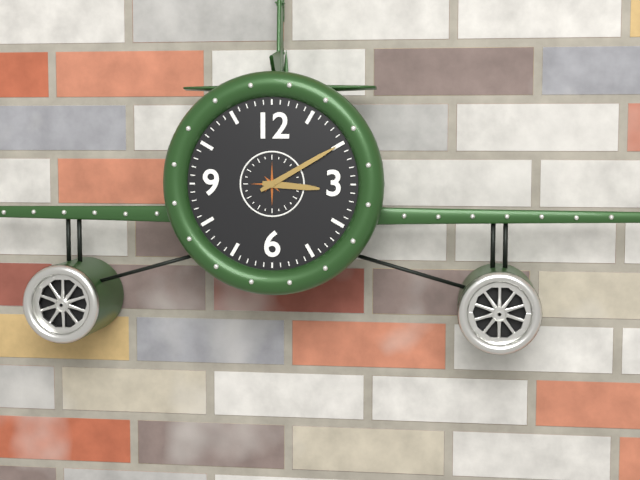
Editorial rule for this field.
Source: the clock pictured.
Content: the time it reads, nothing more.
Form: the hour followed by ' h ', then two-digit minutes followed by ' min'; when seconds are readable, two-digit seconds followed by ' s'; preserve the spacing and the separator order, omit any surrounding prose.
3 h 10 min
